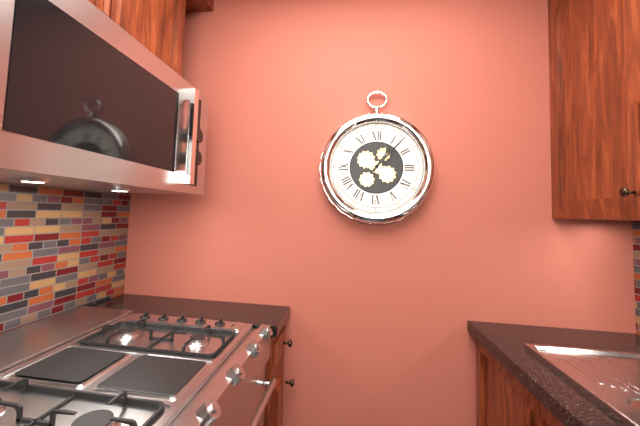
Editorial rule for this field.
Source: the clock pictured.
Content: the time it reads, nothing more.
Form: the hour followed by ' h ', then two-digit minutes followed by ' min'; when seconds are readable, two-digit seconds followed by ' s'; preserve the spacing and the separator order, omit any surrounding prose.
1 h 07 min
